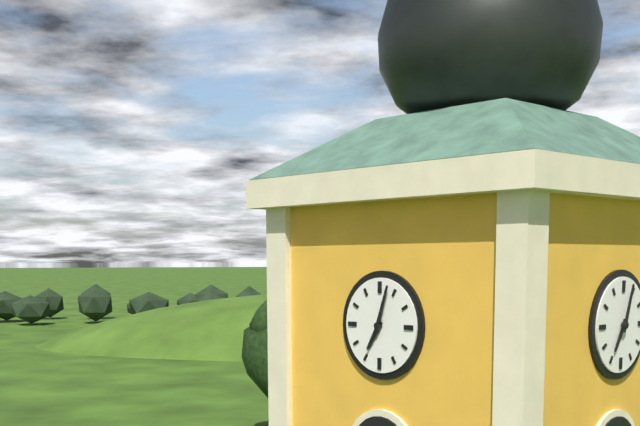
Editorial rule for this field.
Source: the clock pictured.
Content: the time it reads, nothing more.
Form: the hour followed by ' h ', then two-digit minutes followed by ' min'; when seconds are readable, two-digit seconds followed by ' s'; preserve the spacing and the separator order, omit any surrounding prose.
7 h 03 min
